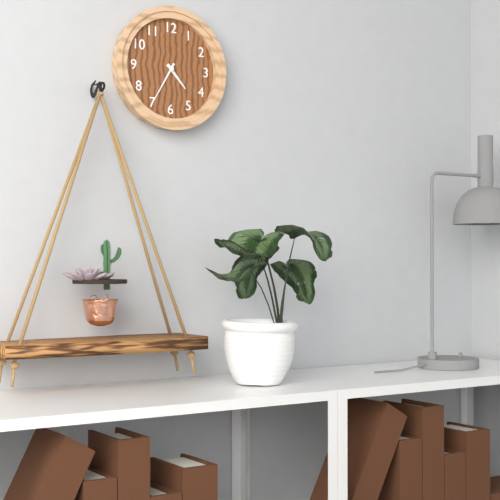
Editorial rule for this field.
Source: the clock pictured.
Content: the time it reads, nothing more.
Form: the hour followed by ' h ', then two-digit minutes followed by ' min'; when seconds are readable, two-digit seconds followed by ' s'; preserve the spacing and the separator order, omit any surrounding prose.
4 h 35 min
